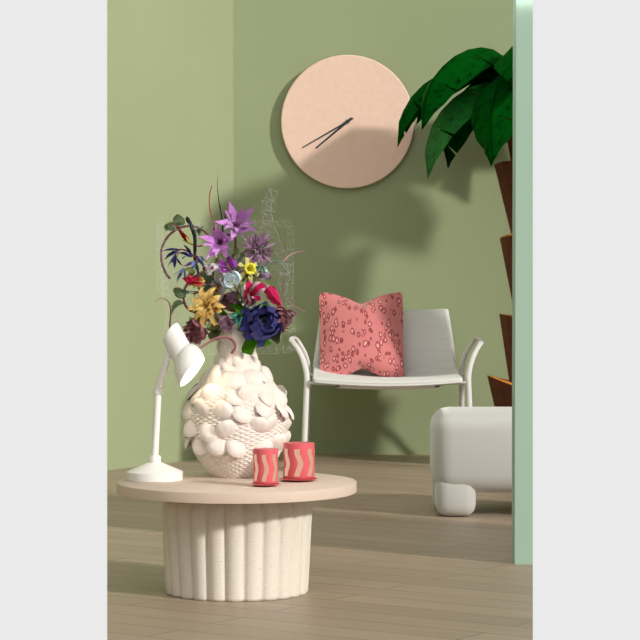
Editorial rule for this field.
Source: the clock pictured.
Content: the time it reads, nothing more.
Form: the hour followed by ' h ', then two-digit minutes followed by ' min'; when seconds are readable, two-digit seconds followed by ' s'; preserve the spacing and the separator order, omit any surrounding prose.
7 h 40 min
